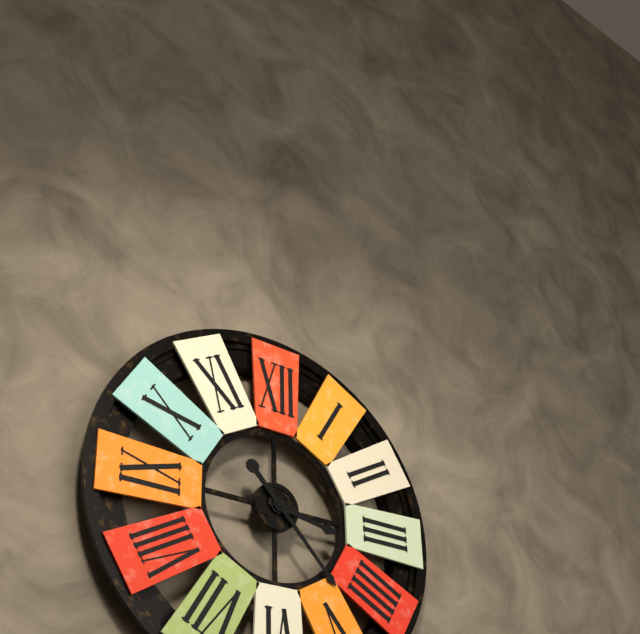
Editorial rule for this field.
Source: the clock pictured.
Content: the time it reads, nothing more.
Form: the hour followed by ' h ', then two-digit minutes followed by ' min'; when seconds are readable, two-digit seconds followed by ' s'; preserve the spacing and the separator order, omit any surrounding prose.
3 h 23 min
